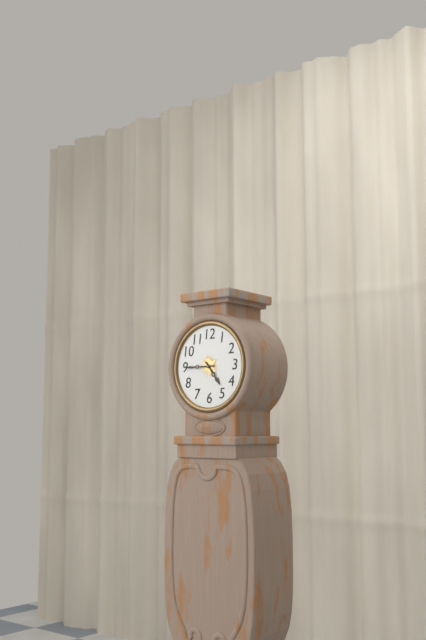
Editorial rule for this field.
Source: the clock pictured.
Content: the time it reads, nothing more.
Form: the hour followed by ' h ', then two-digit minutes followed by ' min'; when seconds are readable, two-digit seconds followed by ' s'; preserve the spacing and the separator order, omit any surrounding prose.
4 h 45 min
